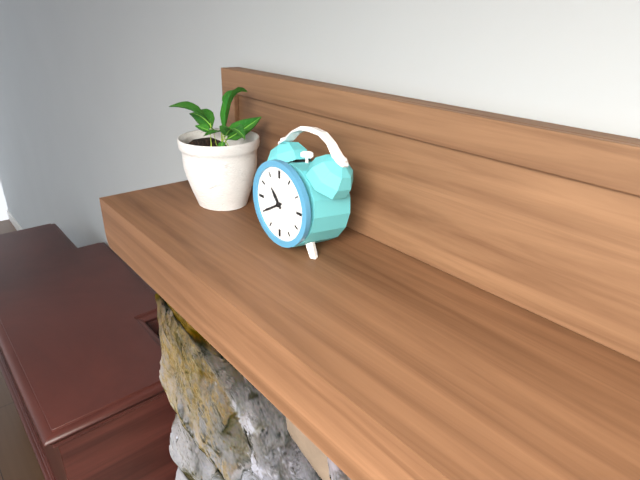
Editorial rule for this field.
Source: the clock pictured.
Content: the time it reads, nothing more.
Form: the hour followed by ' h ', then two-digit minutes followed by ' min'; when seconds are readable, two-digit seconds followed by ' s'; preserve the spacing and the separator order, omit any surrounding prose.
10 h 40 min
